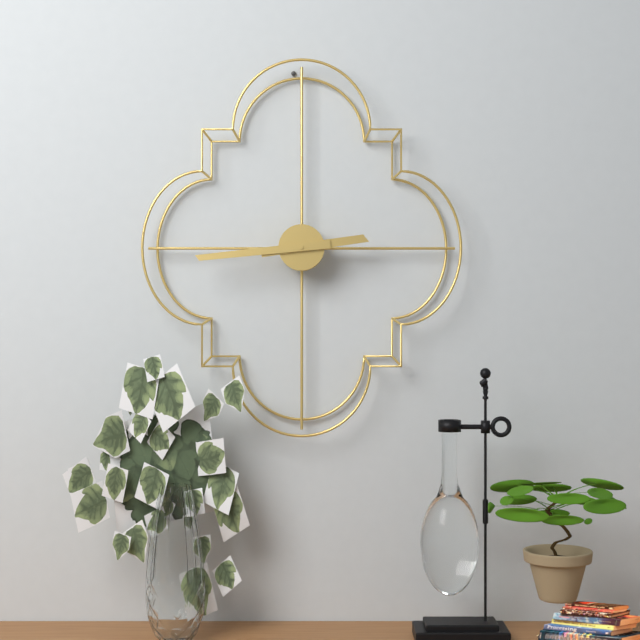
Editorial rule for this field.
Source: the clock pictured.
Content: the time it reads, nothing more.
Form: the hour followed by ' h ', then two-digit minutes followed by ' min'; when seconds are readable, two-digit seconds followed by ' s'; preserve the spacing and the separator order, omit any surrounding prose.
2 h 44 min
